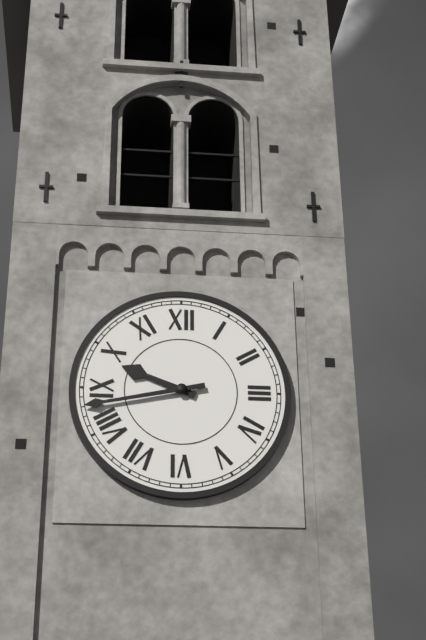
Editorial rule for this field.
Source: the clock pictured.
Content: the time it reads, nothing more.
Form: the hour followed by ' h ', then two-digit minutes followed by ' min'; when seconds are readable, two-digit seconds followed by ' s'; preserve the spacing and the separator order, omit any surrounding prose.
9 h 43 min
